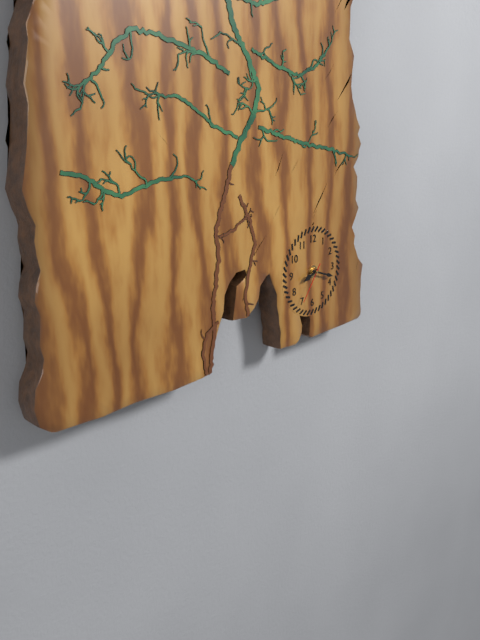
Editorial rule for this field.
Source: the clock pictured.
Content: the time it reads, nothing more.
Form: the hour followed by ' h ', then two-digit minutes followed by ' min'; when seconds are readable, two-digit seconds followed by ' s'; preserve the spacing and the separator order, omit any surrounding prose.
8 h 18 min
